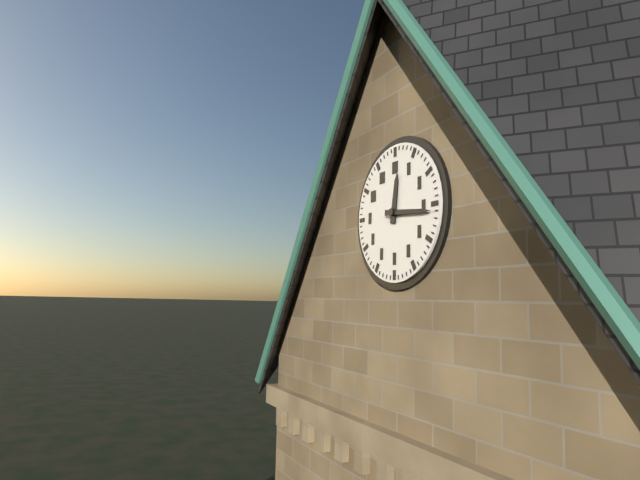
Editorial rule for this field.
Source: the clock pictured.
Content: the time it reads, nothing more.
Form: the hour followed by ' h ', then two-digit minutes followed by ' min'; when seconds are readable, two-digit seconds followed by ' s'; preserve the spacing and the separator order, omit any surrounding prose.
12 h 16 min
